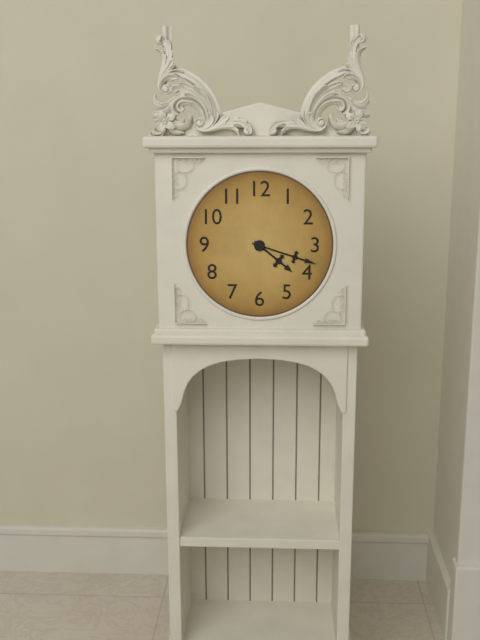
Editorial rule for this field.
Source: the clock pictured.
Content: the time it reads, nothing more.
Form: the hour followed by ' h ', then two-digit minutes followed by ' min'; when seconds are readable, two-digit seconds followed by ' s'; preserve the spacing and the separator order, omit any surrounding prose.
4 h 18 min
